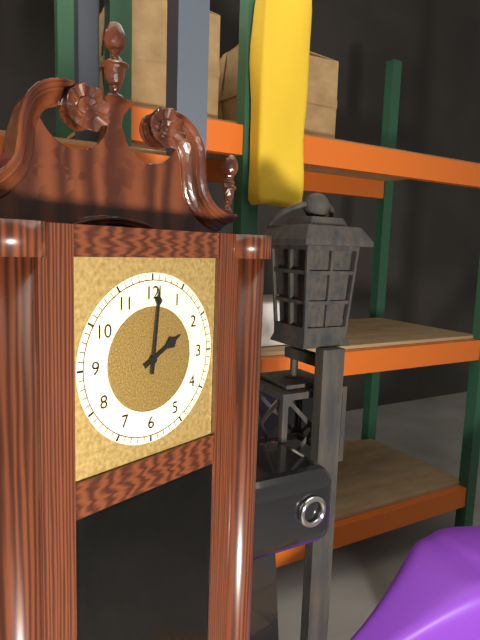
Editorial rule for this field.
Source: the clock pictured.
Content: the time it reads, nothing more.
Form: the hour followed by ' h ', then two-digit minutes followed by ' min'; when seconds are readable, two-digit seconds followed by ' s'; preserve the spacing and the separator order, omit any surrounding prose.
2 h 01 min
